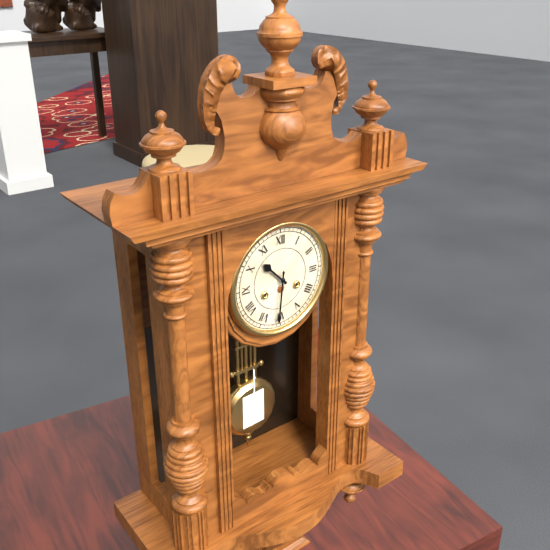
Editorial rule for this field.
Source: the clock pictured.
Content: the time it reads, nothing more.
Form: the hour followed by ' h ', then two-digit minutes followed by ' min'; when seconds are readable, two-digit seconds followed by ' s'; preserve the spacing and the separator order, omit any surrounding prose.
10 h 31 min
